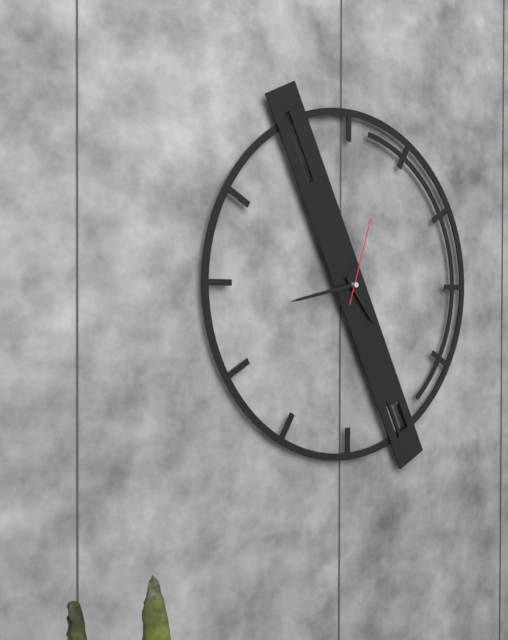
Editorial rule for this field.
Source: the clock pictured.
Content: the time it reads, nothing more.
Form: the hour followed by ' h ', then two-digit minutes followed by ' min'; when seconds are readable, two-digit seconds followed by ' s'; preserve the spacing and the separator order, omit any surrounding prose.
4 h 43 min 03 s
